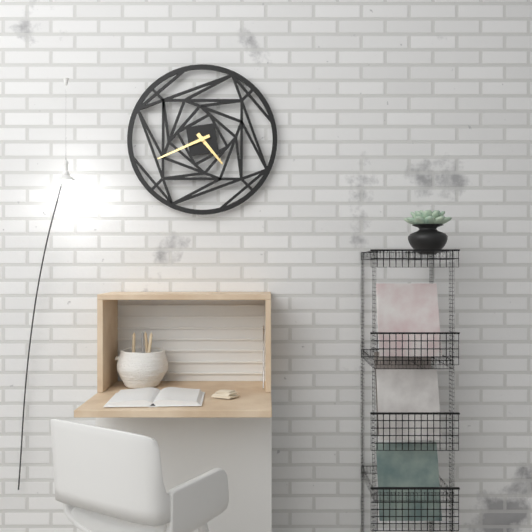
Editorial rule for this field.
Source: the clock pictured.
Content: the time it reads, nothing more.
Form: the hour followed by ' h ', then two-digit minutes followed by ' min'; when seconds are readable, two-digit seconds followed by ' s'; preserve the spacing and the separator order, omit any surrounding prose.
4 h 41 min
